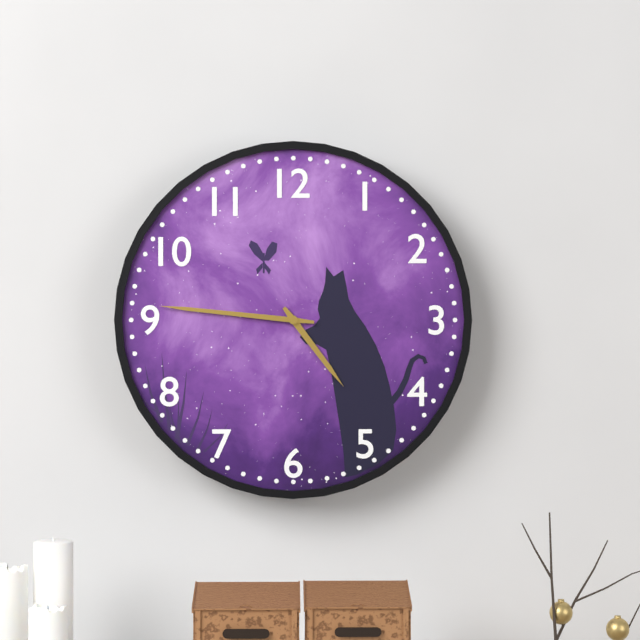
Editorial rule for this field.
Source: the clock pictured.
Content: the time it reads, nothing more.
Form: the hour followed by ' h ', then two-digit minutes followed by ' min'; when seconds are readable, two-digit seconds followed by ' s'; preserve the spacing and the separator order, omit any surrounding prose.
4 h 46 min
